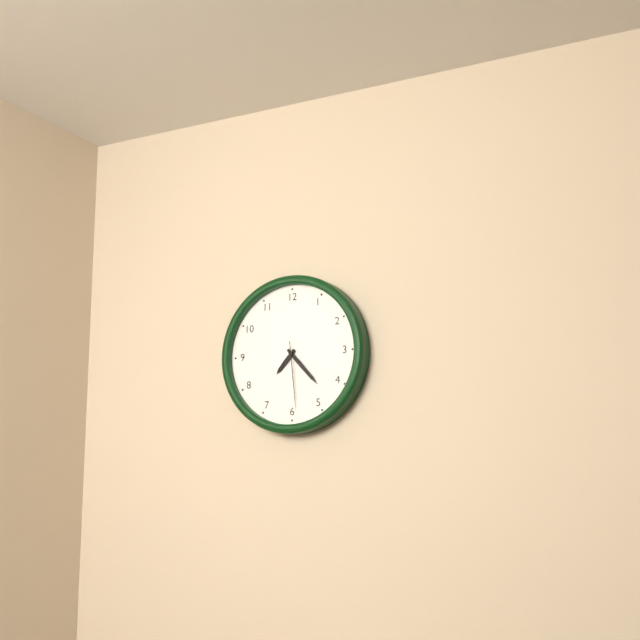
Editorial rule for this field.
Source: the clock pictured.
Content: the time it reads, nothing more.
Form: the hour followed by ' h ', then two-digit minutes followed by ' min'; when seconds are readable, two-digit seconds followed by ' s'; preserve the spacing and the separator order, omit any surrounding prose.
7 h 23 min 29 s
